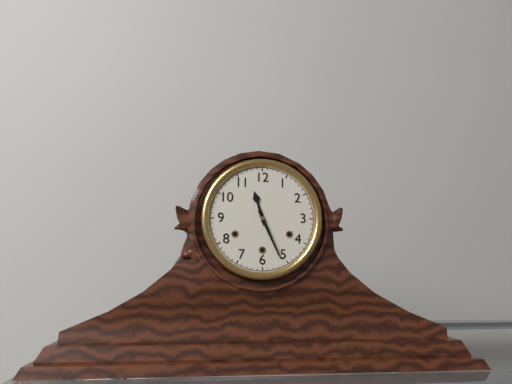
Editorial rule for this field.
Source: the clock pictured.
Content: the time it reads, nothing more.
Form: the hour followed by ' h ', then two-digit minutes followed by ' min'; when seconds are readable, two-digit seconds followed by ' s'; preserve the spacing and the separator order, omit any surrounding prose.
11 h 26 min
